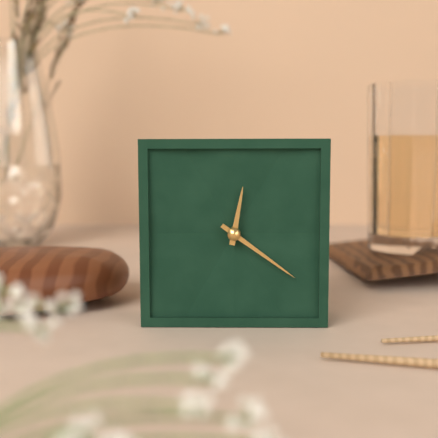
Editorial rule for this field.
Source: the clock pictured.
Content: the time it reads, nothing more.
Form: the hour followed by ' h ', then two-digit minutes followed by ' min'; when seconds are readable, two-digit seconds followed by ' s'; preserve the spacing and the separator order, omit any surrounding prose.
12 h 21 min
